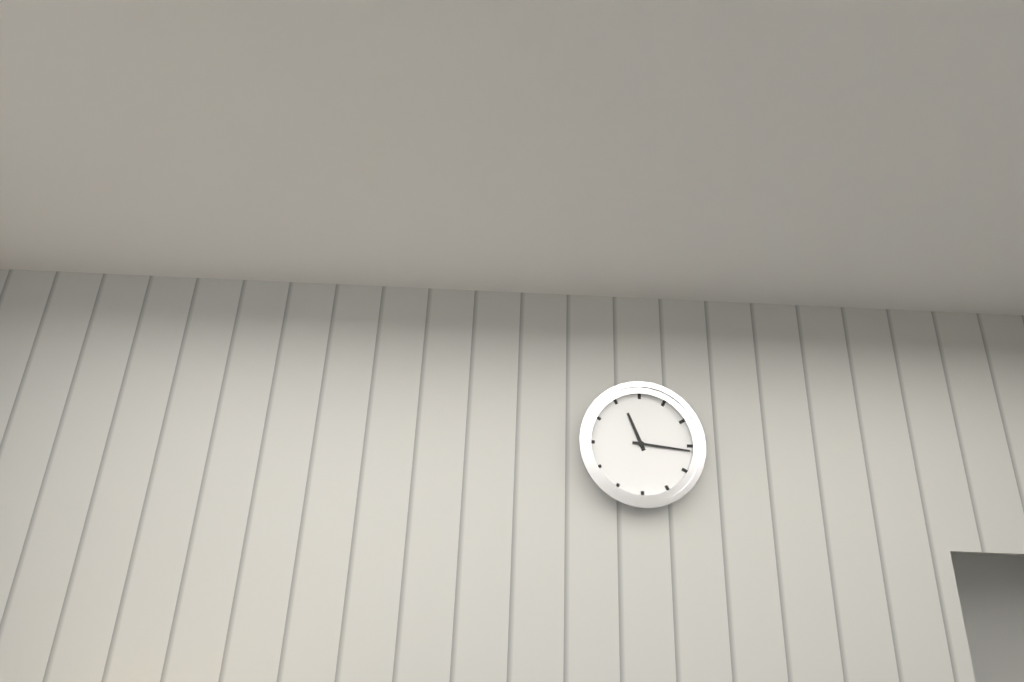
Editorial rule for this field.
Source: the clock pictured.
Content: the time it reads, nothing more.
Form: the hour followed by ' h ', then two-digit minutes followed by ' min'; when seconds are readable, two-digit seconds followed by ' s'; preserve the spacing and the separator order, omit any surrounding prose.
11 h 16 min
